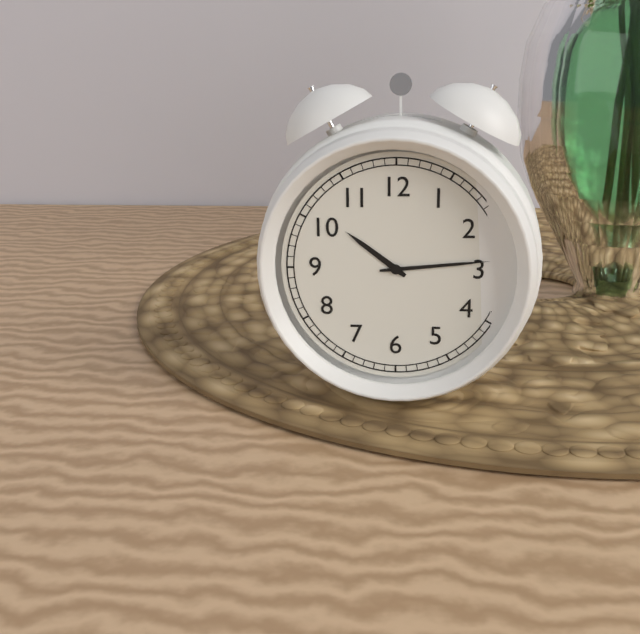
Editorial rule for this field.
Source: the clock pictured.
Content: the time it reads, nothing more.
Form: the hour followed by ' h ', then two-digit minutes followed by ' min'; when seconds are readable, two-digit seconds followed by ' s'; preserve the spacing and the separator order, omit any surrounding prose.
10 h 14 min
